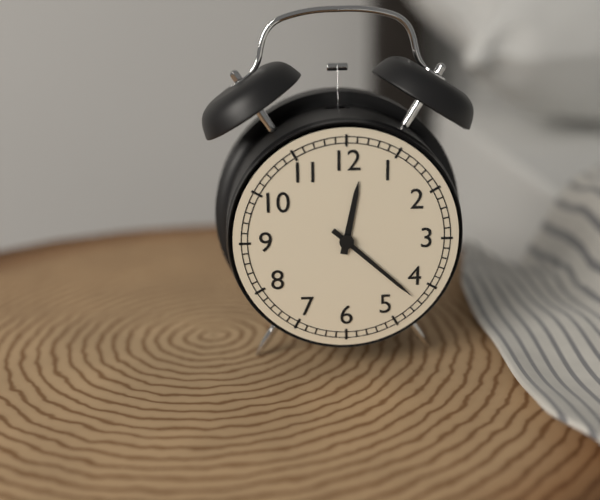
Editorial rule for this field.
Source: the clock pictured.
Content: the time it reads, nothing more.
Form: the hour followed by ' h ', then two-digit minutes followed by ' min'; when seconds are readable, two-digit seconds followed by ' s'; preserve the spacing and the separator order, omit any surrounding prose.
12 h 22 min
